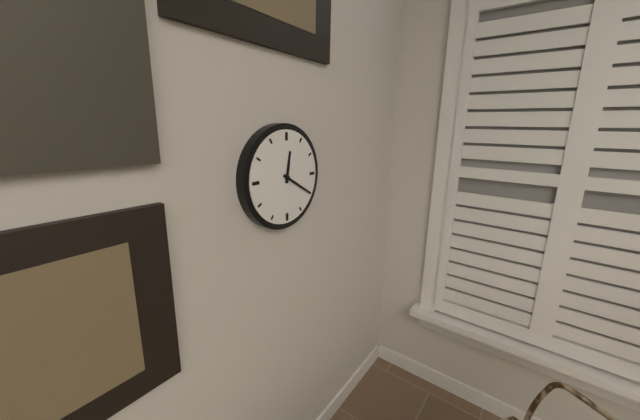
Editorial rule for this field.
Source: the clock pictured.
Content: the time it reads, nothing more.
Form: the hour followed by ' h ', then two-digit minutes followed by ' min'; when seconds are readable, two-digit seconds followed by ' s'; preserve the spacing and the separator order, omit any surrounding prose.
12 h 20 min
